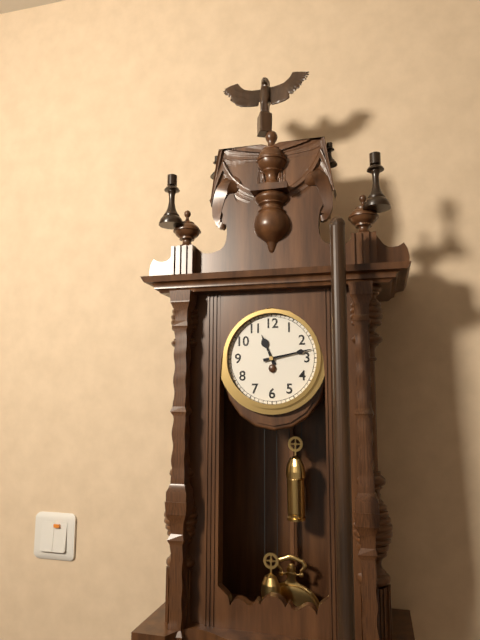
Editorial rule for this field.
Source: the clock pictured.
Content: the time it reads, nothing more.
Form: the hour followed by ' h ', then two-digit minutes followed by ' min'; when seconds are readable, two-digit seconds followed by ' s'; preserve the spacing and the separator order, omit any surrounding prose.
11 h 13 min
